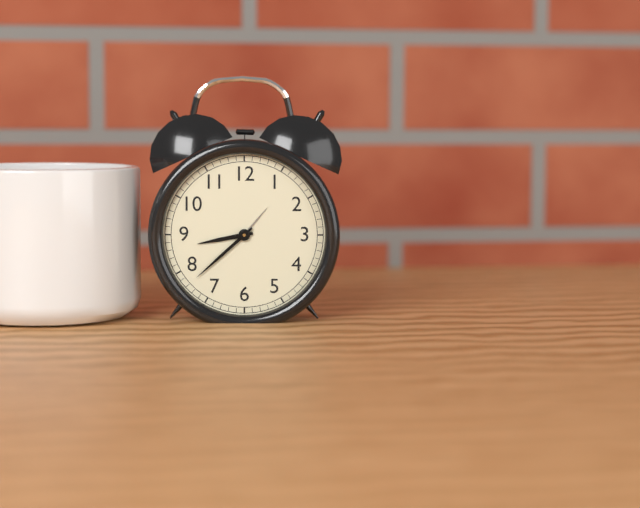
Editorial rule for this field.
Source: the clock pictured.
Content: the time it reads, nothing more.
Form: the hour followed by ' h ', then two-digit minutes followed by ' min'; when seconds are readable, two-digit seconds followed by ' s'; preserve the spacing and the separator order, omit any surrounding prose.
8 h 38 min
